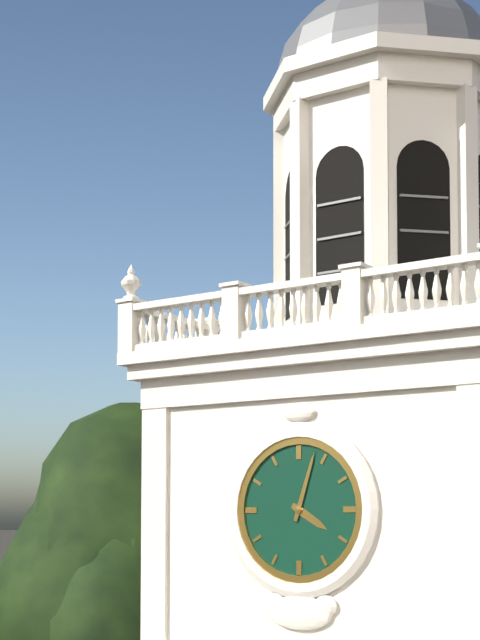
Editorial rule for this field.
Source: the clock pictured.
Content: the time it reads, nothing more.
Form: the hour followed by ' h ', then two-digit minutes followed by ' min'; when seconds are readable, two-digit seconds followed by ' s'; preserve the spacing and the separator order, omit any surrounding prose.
4 h 03 min
